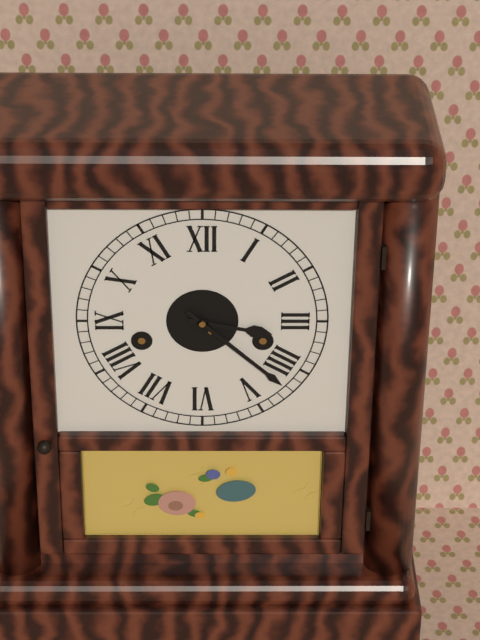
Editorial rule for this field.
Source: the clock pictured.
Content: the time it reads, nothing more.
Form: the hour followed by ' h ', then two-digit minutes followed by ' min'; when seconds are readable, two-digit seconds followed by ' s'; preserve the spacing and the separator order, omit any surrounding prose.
3 h 22 min
